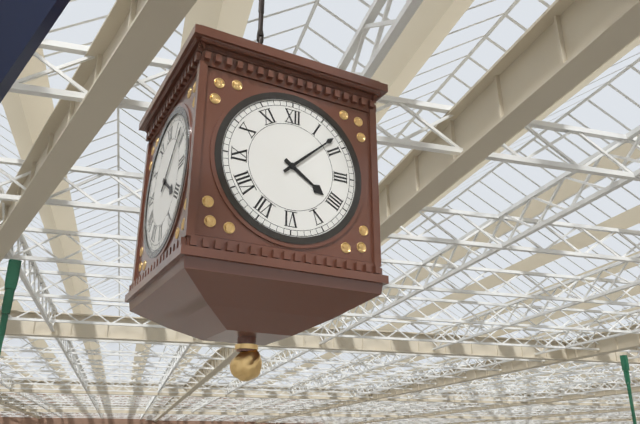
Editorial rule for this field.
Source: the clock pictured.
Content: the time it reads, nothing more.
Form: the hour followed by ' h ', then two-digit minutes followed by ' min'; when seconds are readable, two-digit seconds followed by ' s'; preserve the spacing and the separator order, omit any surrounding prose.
4 h 08 min
